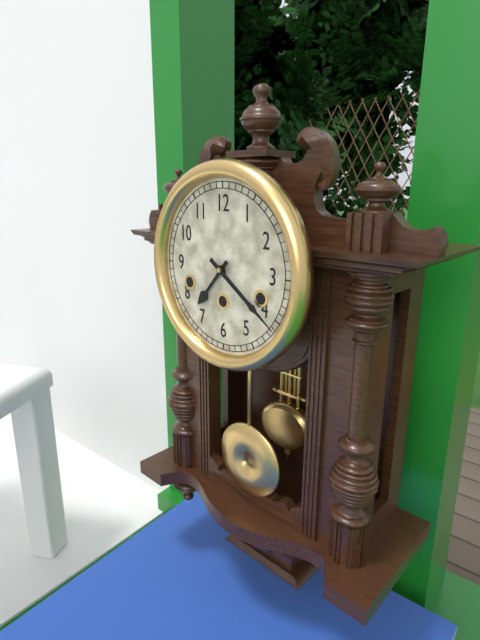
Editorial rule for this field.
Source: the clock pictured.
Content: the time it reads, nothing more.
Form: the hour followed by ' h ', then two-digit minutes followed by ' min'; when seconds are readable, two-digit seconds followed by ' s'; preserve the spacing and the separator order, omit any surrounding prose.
7 h 21 min
